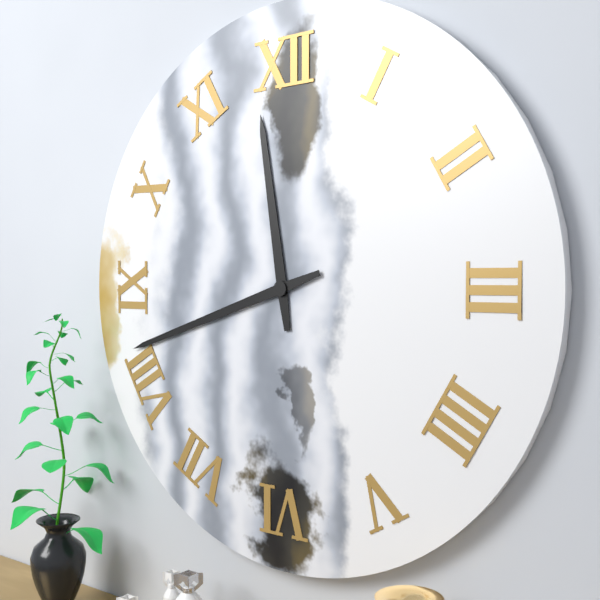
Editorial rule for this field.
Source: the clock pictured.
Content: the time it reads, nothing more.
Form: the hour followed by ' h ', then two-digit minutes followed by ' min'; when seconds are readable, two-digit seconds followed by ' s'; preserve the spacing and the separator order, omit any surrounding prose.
11 h 42 min
